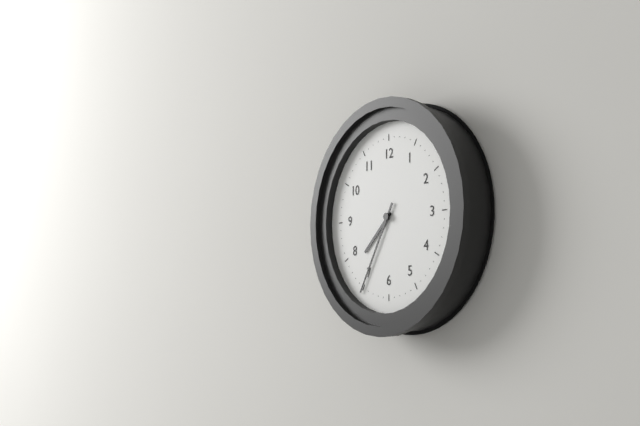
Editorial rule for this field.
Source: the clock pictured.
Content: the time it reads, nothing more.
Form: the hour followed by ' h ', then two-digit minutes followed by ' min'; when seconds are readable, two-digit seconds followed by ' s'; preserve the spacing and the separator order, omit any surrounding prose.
7 h 35 min
